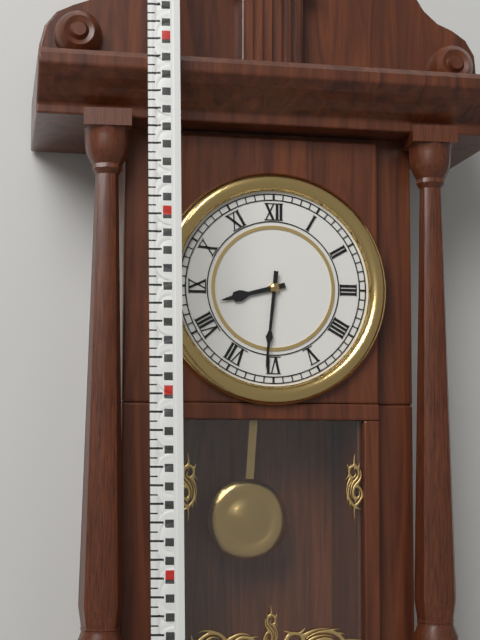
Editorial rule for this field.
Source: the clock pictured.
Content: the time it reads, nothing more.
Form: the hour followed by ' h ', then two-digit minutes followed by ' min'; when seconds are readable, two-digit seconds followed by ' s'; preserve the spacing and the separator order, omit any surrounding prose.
8 h 31 min
